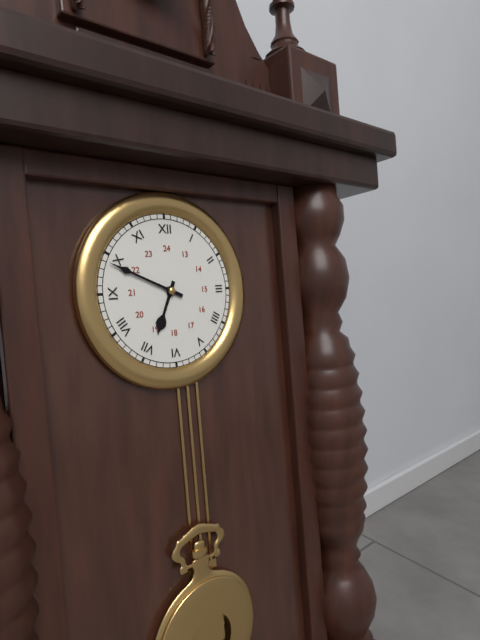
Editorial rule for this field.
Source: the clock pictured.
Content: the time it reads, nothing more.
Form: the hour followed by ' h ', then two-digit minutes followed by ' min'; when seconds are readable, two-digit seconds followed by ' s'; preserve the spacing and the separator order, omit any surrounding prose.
6 h 49 min
